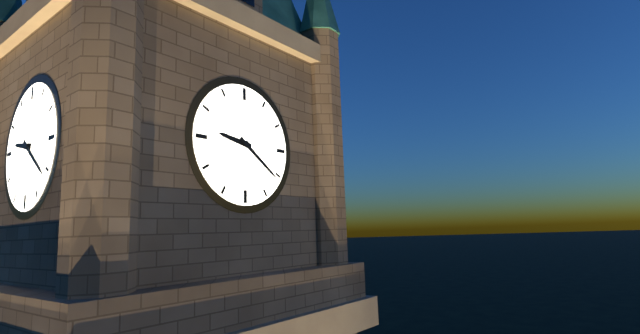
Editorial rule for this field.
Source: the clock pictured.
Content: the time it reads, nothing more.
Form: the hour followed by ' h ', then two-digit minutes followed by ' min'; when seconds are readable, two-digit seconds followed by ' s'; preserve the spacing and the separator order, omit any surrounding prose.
9 h 21 min
